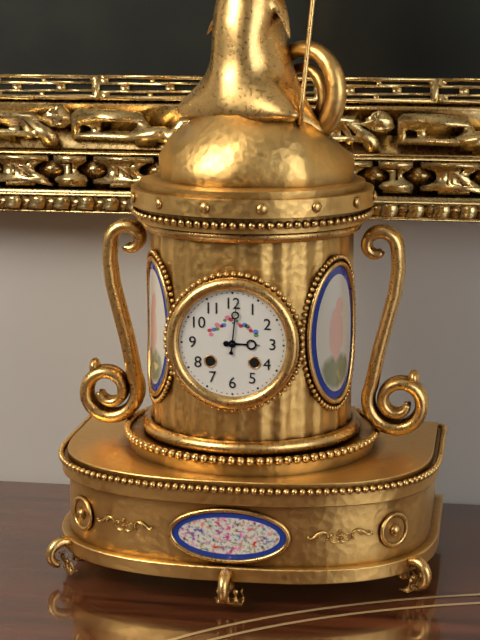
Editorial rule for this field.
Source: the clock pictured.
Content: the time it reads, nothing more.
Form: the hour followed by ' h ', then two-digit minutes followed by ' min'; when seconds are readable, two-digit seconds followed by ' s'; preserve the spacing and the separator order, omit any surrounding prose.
3 h 01 min
